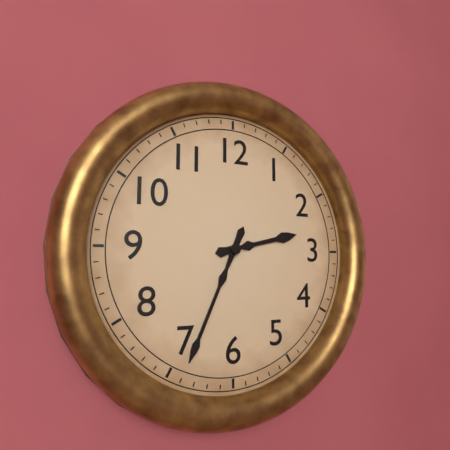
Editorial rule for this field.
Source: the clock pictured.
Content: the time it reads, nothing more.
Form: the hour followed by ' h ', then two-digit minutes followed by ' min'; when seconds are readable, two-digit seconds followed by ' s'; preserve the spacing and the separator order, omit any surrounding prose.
2 h 34 min
